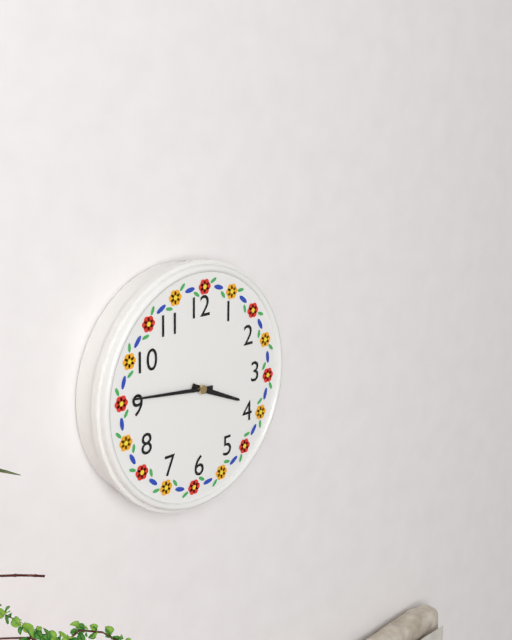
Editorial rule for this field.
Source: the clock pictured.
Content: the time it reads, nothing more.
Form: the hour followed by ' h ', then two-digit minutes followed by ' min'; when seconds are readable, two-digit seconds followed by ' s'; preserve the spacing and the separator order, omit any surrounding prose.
3 h 46 min
